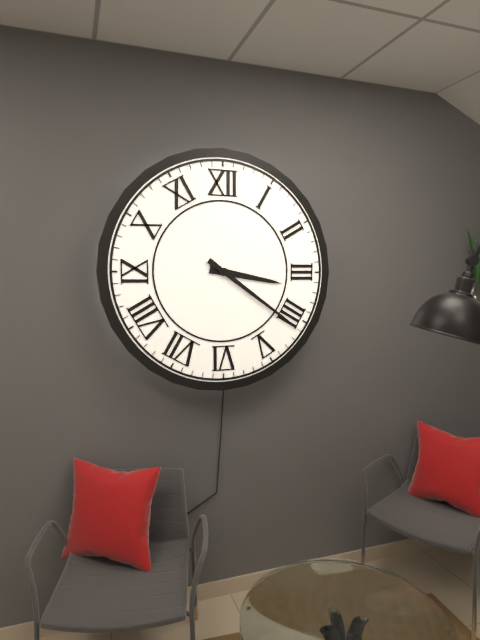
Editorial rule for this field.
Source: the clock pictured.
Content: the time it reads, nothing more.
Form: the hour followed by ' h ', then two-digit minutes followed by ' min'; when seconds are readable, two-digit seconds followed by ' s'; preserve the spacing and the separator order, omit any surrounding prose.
3 h 21 min
